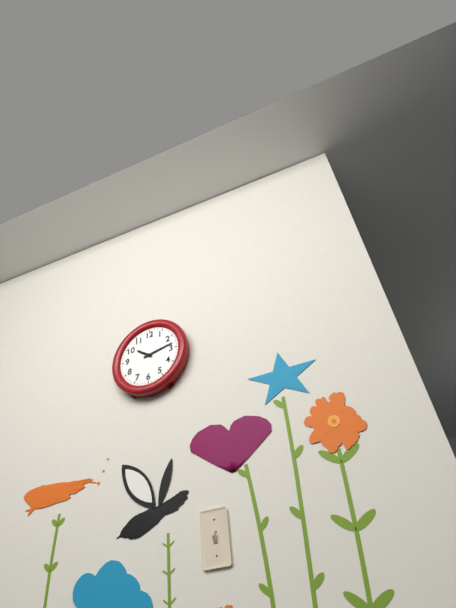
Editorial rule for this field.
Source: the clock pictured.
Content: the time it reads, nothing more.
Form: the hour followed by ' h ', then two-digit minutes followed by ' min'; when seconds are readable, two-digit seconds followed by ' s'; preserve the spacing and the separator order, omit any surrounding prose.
10 h 13 min
